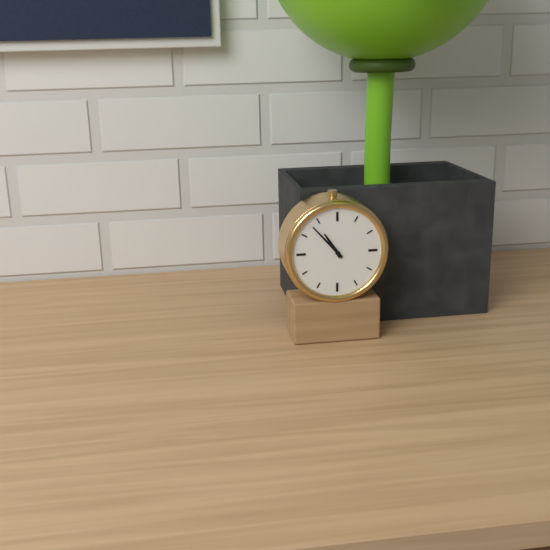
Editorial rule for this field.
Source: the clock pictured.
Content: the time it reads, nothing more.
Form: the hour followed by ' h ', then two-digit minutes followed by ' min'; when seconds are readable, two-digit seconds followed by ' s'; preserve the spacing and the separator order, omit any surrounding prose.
10 h 53 min
